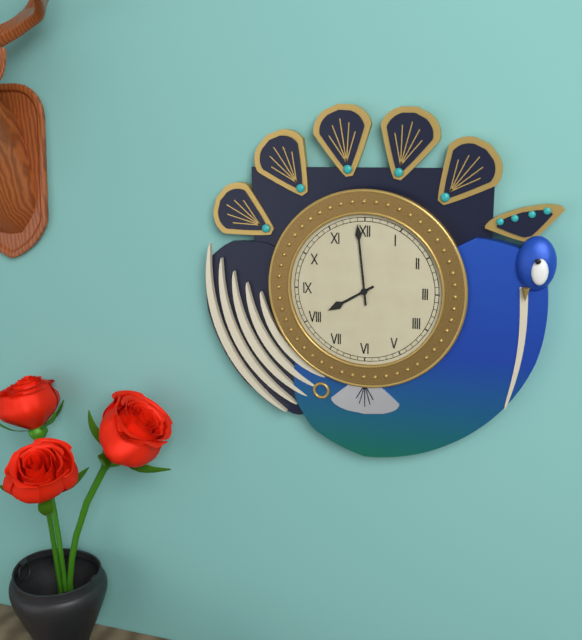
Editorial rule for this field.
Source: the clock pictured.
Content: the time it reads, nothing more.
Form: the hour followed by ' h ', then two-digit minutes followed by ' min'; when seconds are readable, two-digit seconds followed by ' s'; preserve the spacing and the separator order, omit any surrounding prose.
7 h 59 min
